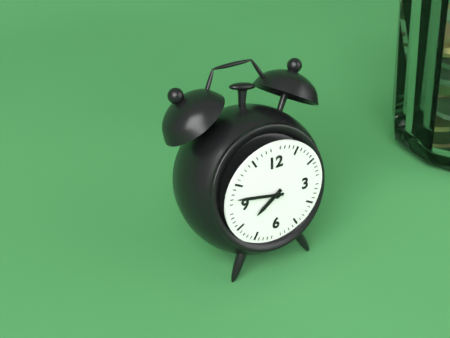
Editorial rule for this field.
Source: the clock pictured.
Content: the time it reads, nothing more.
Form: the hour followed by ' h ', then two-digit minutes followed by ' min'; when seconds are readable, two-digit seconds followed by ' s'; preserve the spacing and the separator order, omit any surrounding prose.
7 h 47 min
